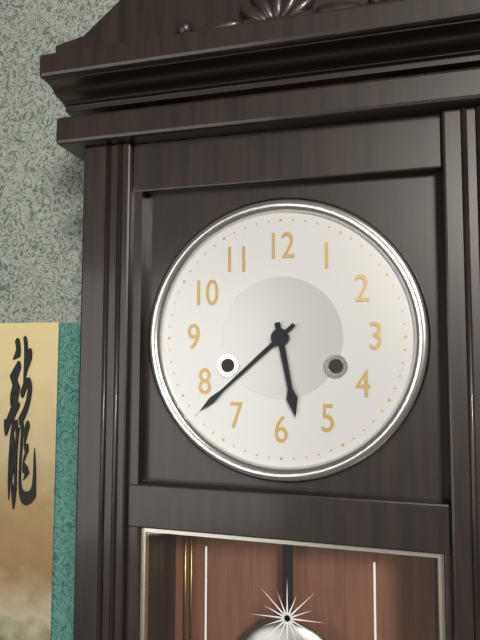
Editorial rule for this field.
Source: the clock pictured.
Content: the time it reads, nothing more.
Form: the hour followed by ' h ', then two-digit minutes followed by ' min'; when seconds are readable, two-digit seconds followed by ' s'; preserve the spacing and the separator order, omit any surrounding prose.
5 h 38 min
